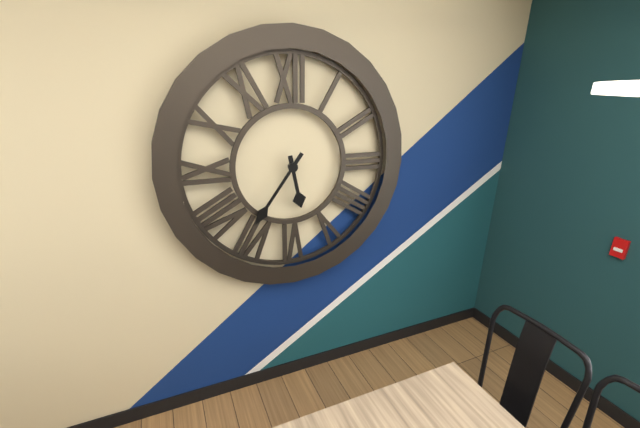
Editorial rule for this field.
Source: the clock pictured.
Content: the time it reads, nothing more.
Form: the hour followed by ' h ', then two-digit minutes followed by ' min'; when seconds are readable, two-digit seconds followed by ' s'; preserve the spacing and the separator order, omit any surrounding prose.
5 h 36 min
